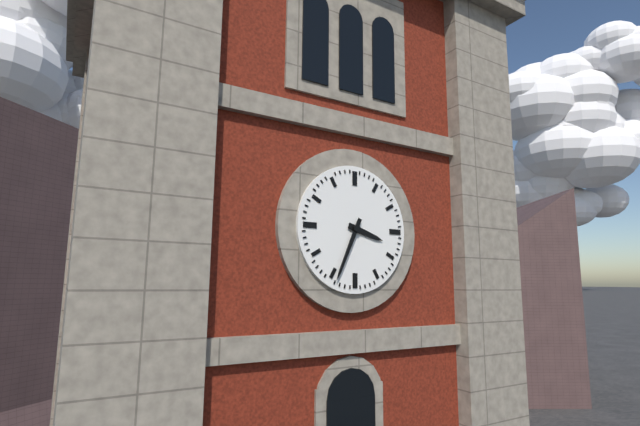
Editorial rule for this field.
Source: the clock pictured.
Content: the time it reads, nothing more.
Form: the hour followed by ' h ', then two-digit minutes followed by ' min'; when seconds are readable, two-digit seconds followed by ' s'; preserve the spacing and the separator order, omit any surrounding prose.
3 h 34 min
